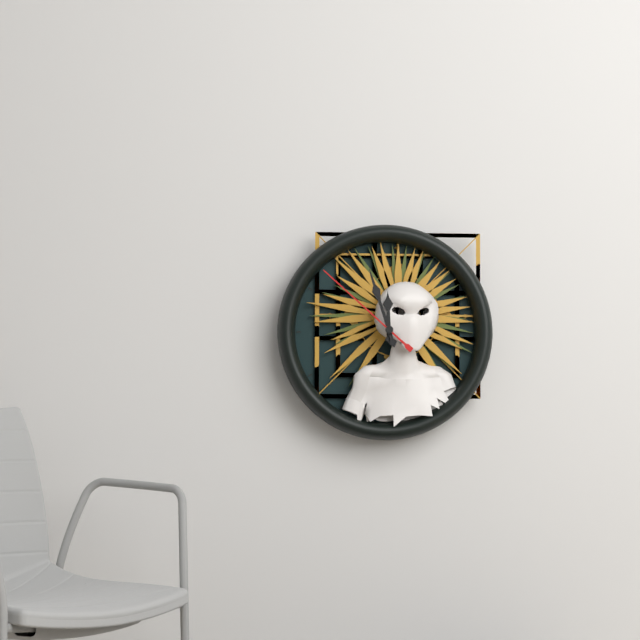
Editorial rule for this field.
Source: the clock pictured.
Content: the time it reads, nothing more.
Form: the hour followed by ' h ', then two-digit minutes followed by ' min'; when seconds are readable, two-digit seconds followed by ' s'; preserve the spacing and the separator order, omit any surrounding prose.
11 h 57 min 52 s
